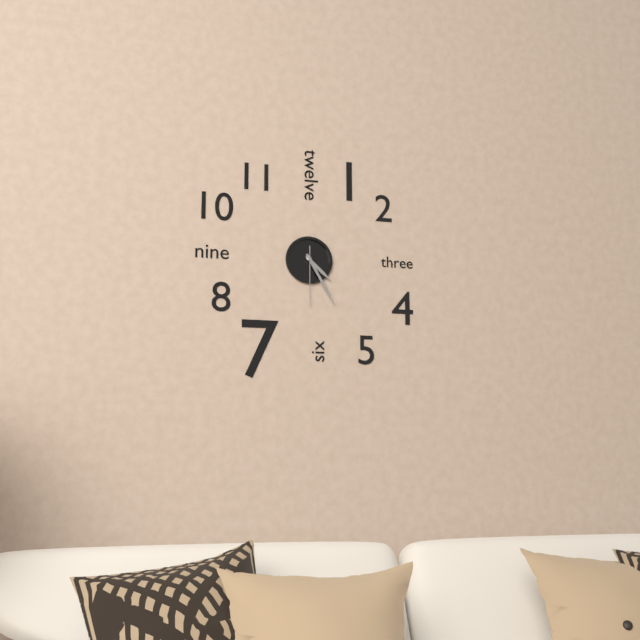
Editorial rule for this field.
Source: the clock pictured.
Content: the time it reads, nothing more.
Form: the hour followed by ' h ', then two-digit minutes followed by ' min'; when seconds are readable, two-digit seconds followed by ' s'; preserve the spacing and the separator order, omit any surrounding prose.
4 h 25 min 30 s
